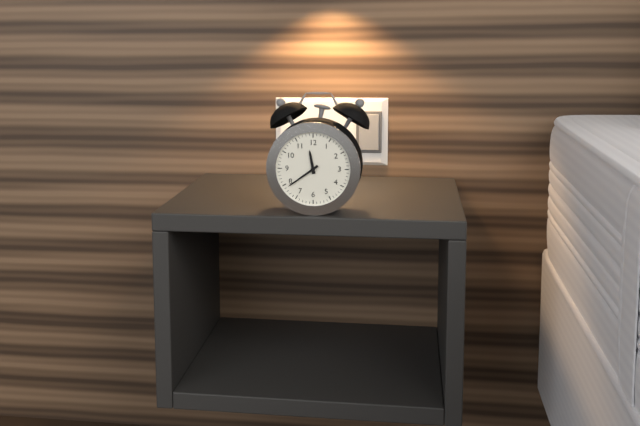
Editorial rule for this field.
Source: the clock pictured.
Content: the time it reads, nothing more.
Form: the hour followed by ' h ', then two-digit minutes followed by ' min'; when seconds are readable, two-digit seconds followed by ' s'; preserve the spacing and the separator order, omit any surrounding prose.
11 h 39 min
